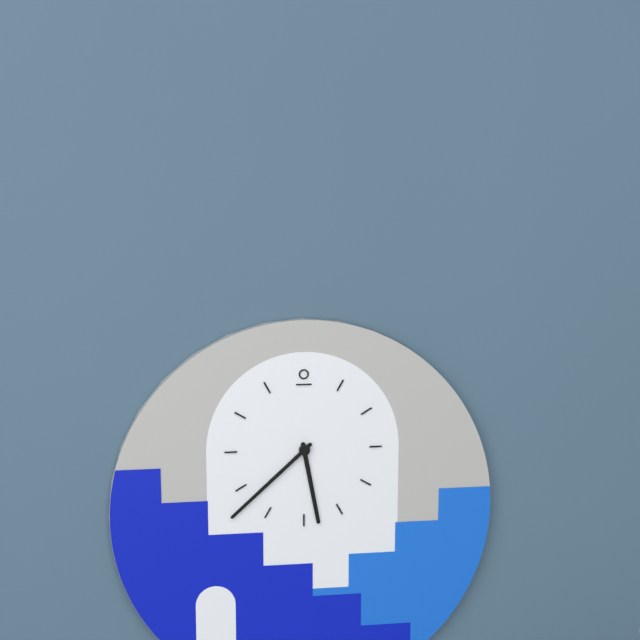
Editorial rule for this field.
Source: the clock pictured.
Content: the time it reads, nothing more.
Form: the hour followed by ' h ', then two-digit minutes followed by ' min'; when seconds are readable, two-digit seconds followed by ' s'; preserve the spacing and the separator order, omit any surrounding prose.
5 h 38 min
